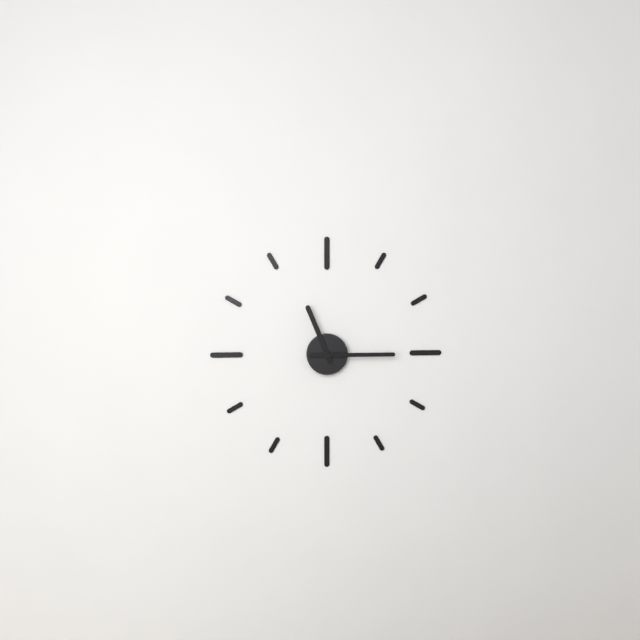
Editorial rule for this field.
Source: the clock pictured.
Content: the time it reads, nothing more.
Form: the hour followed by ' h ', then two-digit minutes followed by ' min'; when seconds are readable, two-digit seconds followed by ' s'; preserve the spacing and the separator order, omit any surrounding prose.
11 h 15 min
